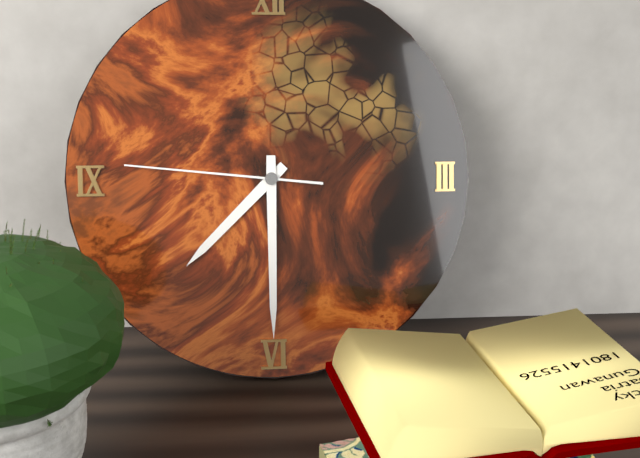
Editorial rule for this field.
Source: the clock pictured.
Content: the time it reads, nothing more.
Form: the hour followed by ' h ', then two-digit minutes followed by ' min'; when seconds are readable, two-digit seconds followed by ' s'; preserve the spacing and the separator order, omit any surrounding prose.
7 h 30 min 46 s
